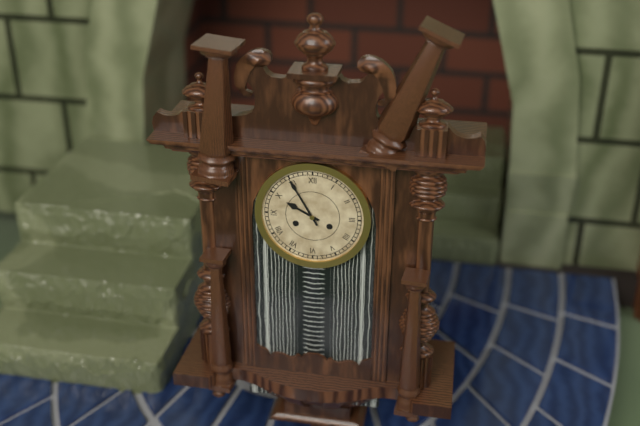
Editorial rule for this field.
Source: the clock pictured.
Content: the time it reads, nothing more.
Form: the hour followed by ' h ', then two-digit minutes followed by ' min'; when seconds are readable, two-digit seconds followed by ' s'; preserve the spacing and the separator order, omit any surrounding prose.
9 h 55 min
